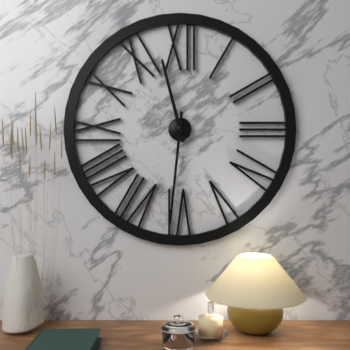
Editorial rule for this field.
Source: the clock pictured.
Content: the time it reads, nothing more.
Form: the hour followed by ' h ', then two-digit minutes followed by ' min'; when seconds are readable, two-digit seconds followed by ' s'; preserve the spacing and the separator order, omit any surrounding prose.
11 h 31 min
